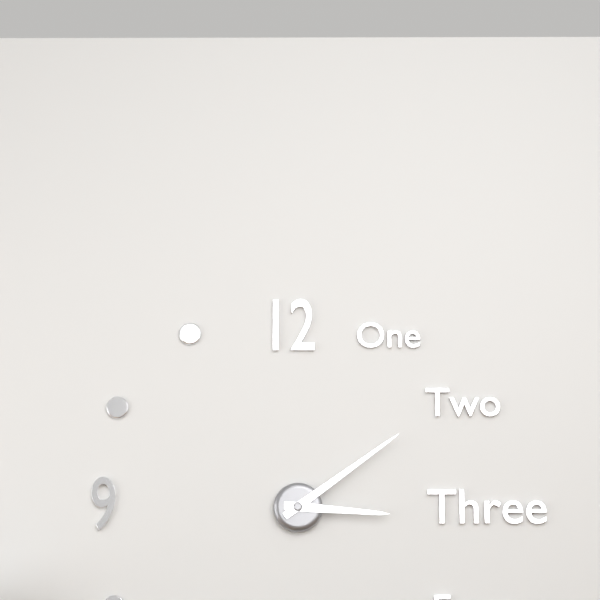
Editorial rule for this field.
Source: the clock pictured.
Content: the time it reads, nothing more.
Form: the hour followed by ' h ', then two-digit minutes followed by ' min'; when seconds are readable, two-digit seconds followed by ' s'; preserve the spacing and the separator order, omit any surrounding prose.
3 h 09 min
